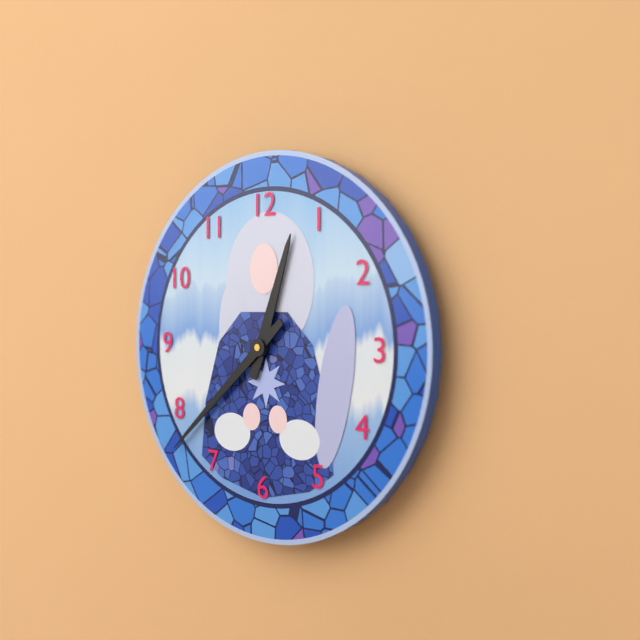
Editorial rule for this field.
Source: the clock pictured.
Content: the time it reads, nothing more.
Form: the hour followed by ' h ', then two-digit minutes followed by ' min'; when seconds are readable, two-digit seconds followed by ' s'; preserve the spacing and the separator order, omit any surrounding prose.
12 h 38 min
